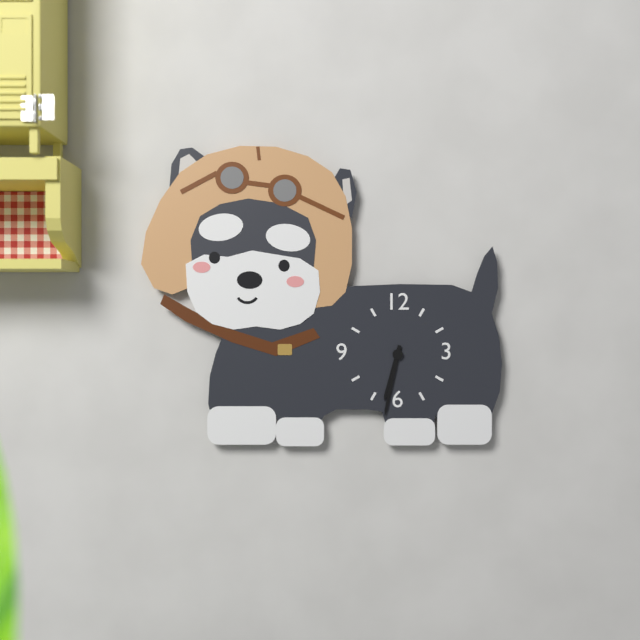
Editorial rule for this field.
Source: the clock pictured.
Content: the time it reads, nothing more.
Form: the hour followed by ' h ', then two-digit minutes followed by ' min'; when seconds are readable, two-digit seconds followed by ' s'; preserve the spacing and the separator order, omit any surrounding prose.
6 h 32 min
